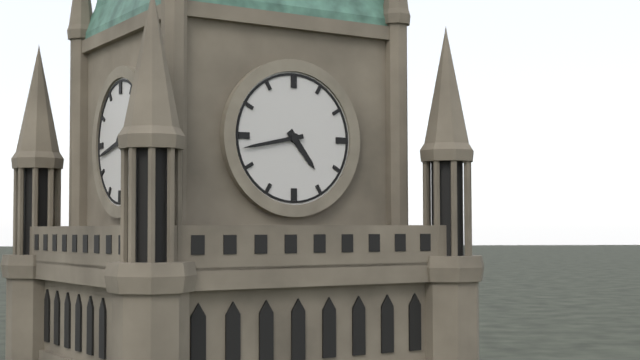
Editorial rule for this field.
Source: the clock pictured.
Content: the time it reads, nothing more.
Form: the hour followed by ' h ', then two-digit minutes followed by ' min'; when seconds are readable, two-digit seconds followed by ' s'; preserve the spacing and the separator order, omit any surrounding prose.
4 h 43 min
